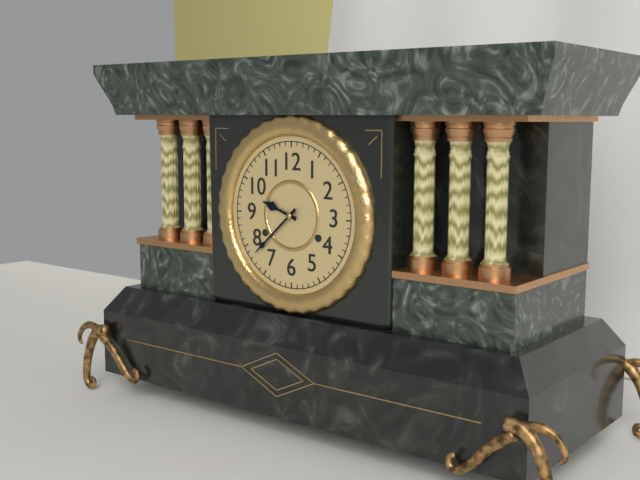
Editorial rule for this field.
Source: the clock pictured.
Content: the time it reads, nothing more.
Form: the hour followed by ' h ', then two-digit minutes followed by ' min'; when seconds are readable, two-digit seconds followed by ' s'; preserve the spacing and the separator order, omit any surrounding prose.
9 h 38 min
